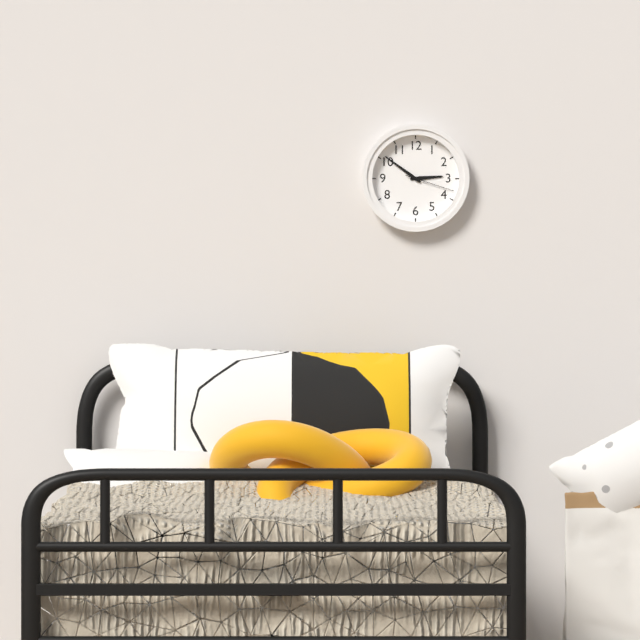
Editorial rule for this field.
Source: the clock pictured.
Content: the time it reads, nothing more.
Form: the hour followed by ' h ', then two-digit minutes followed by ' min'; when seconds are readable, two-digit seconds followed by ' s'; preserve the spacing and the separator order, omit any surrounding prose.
2 h 51 min 18 s
